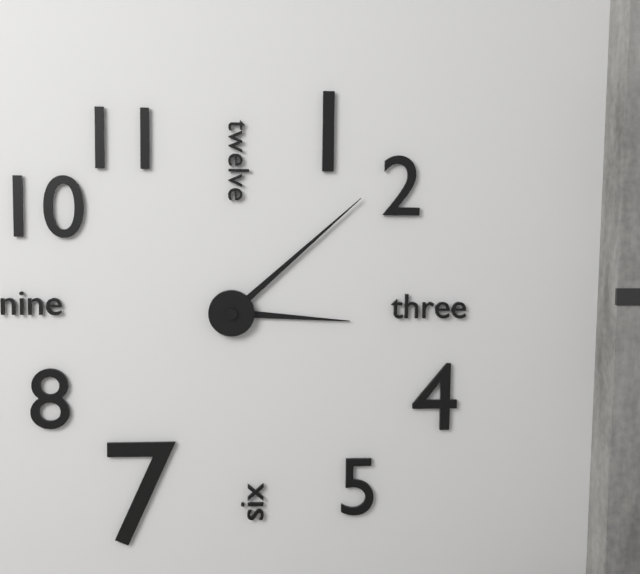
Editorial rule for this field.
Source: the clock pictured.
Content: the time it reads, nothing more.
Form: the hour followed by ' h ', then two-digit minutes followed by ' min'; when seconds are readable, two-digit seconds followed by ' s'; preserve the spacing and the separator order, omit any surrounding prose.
3 h 08 min
